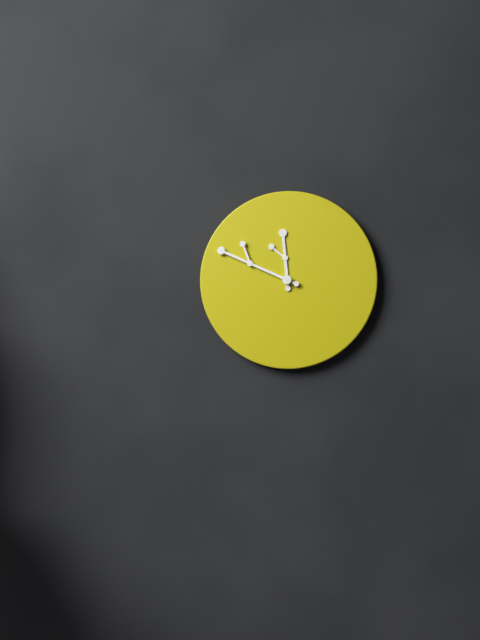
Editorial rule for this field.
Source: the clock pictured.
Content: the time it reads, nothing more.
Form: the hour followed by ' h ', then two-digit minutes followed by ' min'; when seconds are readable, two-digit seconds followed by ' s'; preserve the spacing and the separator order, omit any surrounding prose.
11 h 49 min
